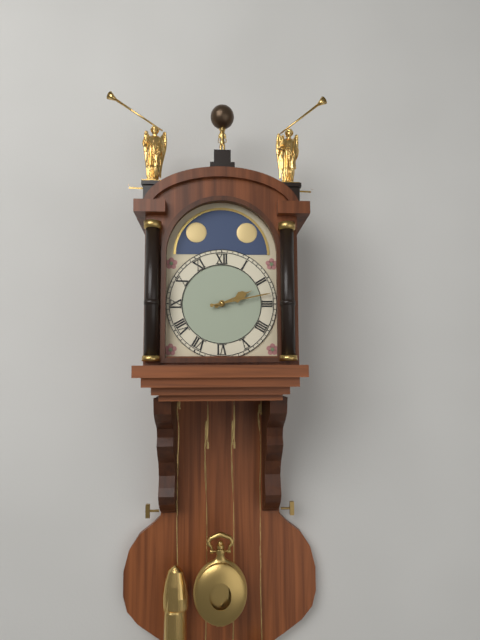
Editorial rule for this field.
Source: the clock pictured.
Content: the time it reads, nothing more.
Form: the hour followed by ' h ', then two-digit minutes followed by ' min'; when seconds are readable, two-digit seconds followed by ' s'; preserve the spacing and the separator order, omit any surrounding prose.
2 h 13 min
